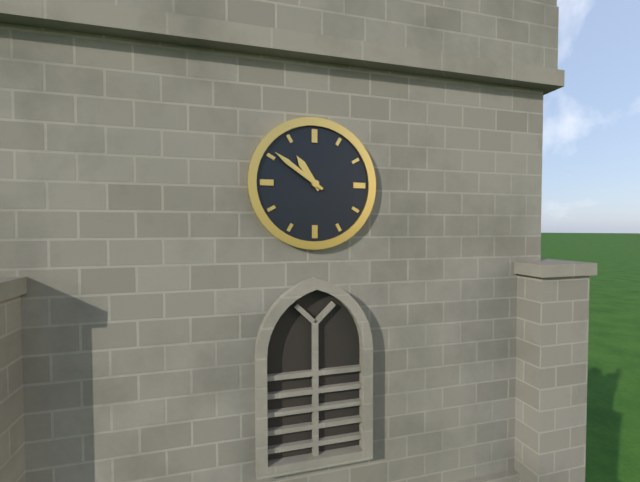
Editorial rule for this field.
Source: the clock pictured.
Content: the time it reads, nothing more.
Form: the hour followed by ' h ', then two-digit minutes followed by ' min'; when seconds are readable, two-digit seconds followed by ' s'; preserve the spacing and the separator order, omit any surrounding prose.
10 h 51 min
